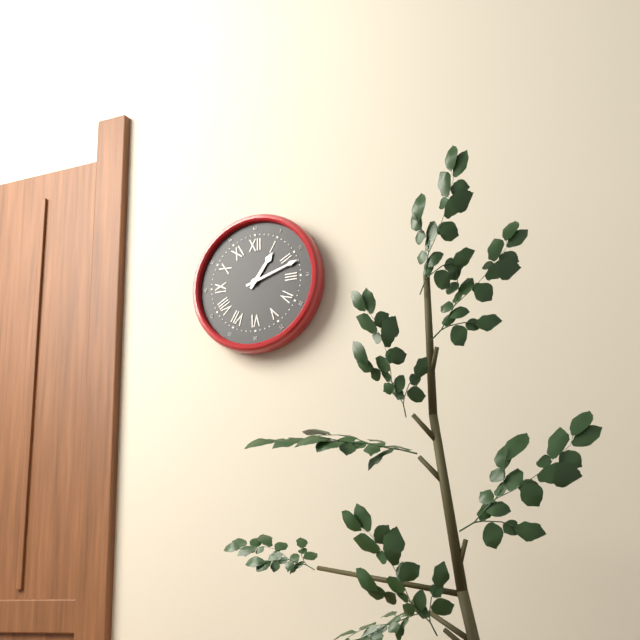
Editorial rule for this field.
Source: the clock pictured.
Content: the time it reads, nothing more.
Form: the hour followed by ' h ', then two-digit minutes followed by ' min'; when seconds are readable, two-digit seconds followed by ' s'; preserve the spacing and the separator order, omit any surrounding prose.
1 h 12 min
